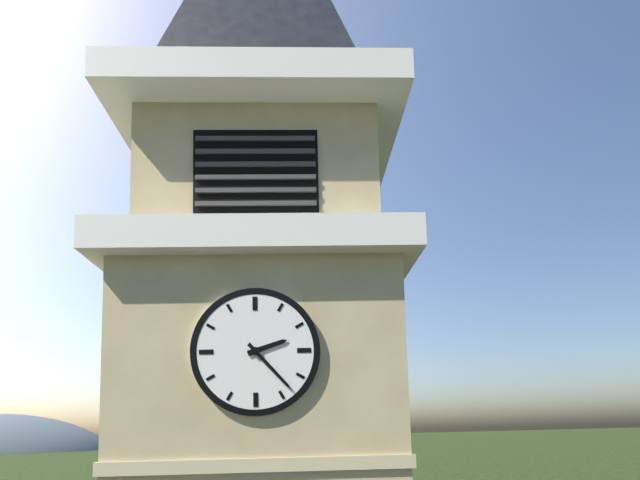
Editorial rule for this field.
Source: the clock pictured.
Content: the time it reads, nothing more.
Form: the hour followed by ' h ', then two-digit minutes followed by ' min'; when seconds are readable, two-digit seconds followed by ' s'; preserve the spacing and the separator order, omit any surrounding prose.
2 h 23 min
